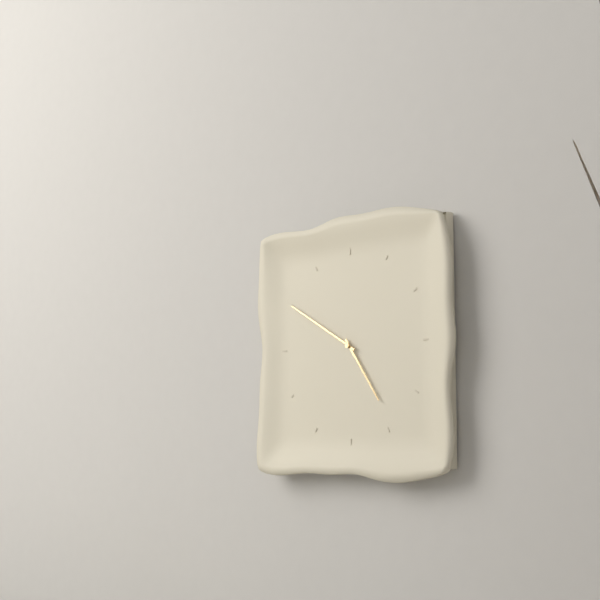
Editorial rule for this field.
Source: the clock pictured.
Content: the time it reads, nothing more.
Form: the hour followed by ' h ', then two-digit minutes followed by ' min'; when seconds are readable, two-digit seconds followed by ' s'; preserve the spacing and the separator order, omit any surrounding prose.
4 h 50 min
